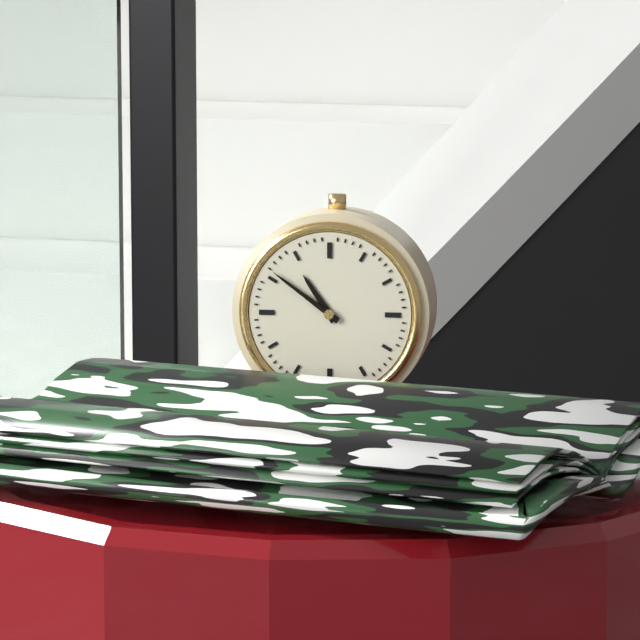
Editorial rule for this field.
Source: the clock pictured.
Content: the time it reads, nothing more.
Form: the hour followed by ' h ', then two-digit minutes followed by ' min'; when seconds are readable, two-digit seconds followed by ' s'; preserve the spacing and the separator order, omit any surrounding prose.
10 h 51 min
